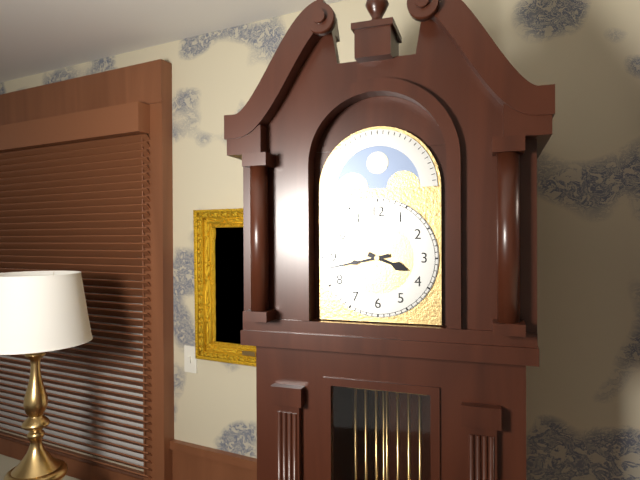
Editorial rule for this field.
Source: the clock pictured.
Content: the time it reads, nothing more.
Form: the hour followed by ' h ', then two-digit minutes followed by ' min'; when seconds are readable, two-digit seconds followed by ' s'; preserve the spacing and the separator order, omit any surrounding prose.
3 h 43 min
